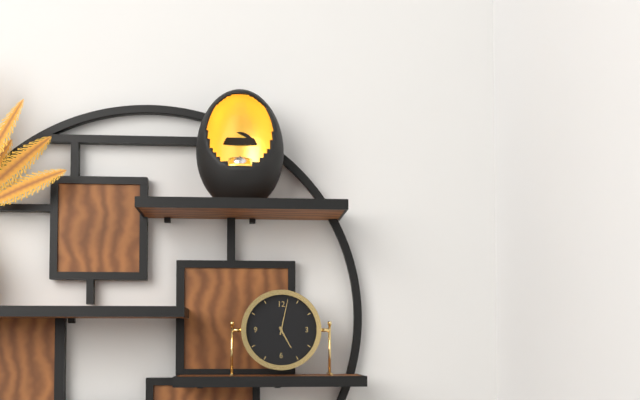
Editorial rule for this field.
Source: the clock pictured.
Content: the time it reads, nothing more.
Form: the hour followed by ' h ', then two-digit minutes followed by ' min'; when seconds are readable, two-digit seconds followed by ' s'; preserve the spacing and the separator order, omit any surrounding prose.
5 h 02 min
